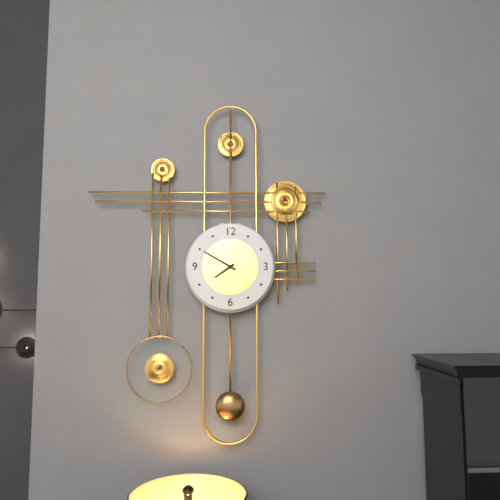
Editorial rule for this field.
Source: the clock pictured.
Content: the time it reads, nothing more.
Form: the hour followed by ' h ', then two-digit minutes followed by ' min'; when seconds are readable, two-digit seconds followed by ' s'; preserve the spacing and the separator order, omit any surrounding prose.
7 h 50 min
